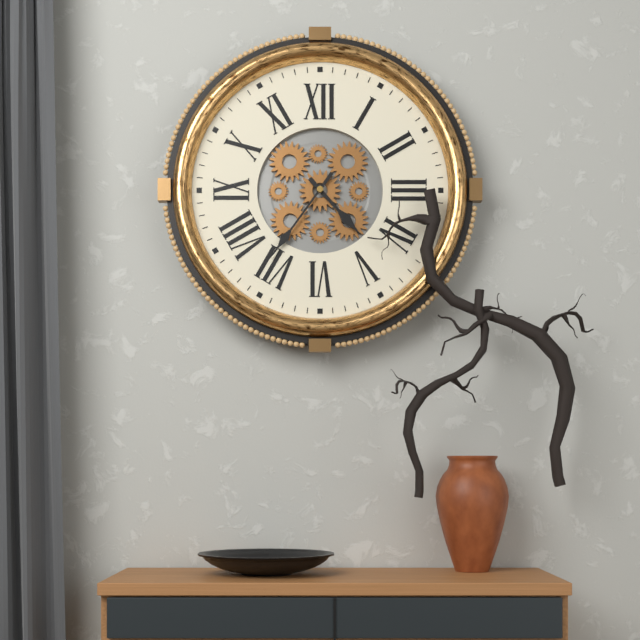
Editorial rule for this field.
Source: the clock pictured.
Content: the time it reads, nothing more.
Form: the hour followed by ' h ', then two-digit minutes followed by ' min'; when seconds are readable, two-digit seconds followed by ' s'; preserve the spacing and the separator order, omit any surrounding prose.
4 h 36 min
